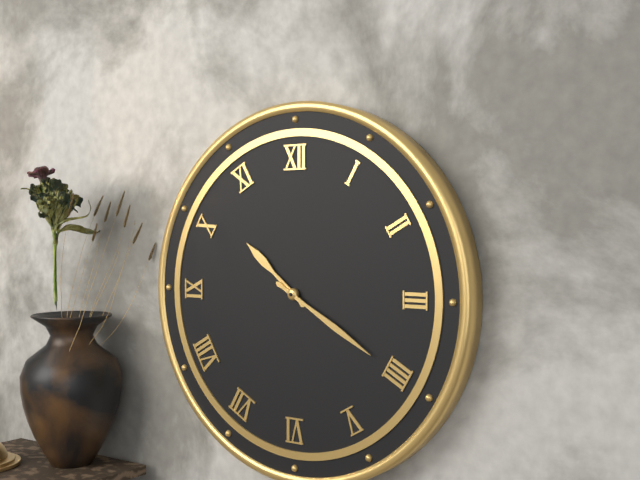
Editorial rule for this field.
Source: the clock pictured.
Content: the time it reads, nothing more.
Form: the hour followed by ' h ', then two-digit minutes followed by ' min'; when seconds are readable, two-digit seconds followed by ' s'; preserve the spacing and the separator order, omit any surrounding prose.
10 h 20 min
